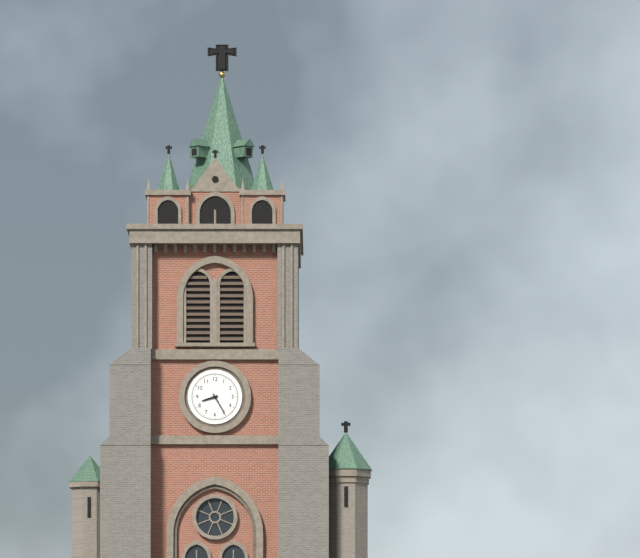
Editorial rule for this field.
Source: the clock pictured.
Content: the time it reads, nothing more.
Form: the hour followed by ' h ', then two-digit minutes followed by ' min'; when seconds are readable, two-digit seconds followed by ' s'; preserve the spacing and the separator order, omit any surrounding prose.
8 h 25 min
